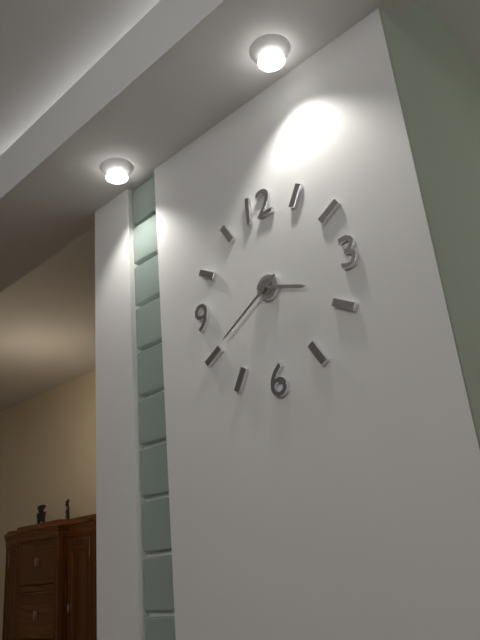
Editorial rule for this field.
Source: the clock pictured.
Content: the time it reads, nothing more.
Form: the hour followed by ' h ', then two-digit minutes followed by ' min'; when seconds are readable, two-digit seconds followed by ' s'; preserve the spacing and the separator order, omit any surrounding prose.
3 h 40 min
